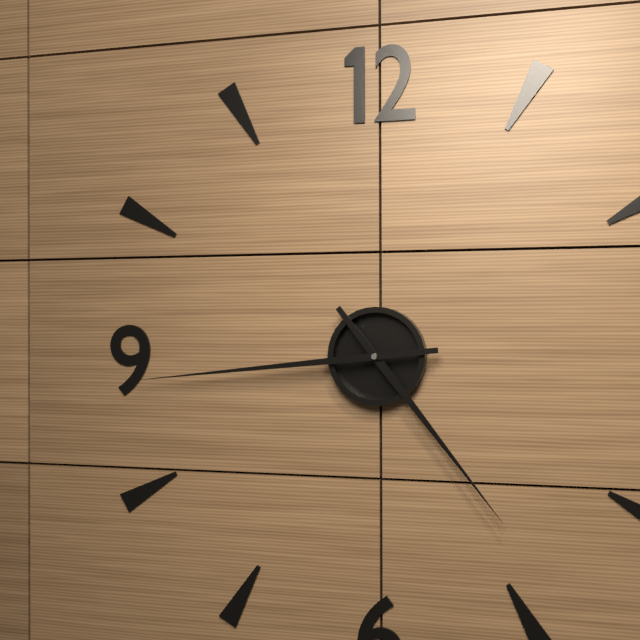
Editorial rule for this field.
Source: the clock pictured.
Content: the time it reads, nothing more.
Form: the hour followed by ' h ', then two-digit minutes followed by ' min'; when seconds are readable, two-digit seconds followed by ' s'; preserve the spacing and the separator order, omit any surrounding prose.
4 h 44 min
